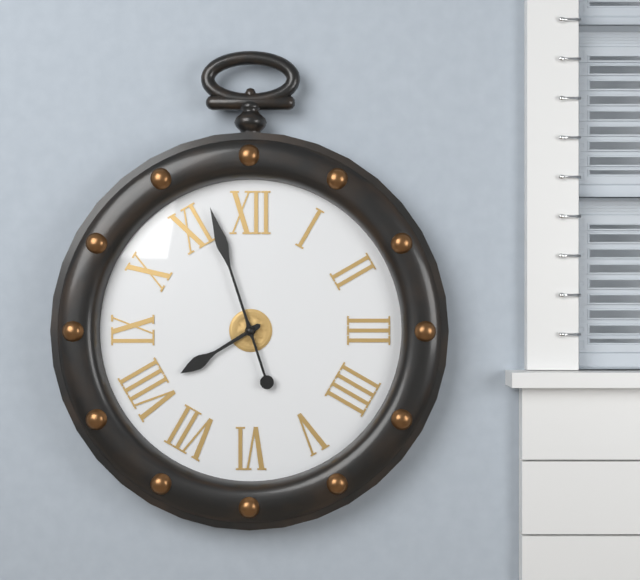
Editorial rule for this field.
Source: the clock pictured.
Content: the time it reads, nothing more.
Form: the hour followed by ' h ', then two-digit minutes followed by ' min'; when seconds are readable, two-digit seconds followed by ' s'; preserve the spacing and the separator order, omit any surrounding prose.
7 h 57 min
